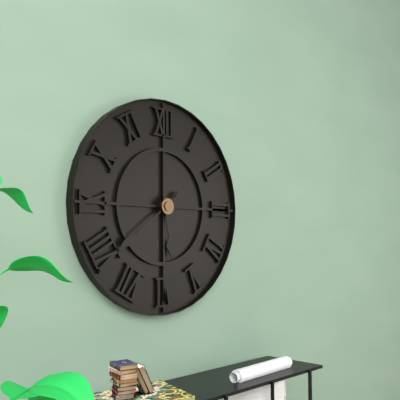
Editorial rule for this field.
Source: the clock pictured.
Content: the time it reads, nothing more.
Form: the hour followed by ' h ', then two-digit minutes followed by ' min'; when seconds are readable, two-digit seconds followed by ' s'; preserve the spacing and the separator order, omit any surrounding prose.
5 h 39 min
